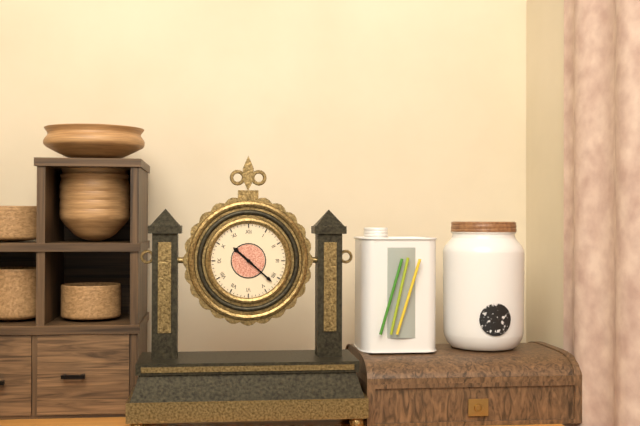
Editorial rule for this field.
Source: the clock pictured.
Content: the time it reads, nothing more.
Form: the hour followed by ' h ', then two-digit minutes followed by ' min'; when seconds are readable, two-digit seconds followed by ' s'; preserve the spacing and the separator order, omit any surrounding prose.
10 h 22 min
